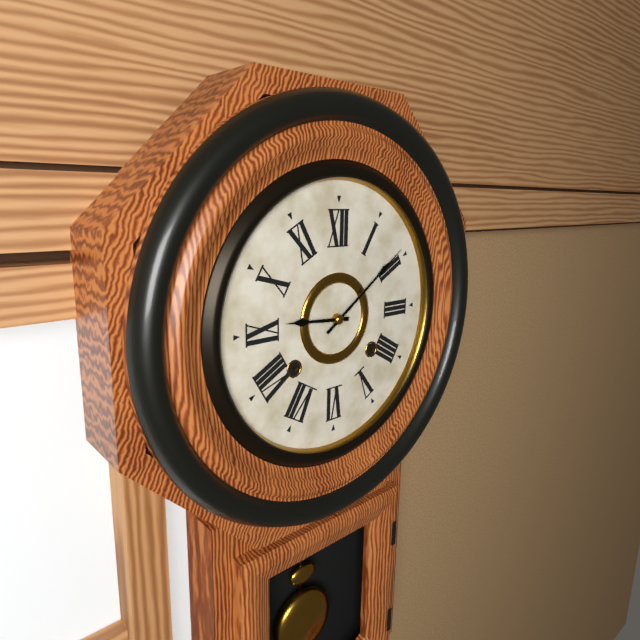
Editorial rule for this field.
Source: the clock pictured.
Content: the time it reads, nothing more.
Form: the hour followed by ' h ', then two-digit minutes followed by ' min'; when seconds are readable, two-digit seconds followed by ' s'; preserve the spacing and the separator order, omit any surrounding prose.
9 h 09 min
